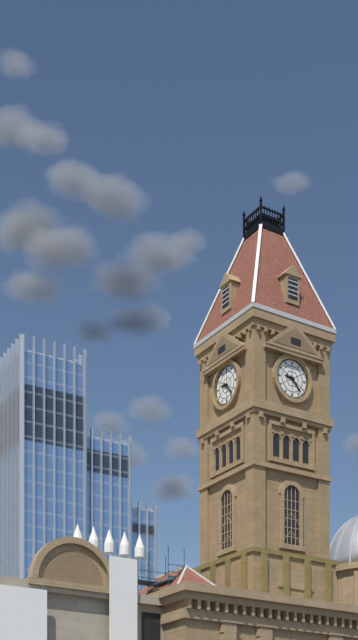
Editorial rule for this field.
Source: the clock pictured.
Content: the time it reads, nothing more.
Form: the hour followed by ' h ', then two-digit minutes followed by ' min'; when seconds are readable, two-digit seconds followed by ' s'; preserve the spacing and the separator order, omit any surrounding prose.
9 h 23 min
